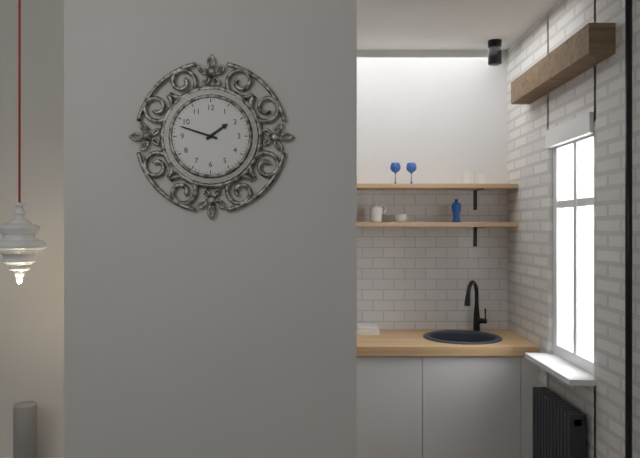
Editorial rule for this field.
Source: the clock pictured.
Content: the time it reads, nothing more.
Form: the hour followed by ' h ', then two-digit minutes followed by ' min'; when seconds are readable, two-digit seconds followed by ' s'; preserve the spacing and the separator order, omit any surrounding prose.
1 h 48 min
